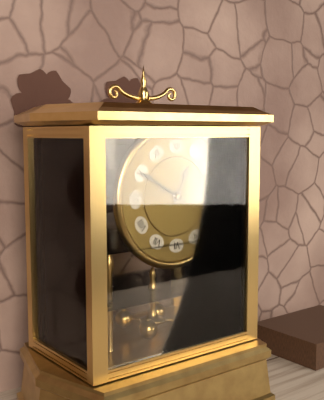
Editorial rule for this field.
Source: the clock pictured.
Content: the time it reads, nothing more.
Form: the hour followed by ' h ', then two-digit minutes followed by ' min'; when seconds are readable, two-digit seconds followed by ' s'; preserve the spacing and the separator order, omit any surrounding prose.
12 h 50 min
